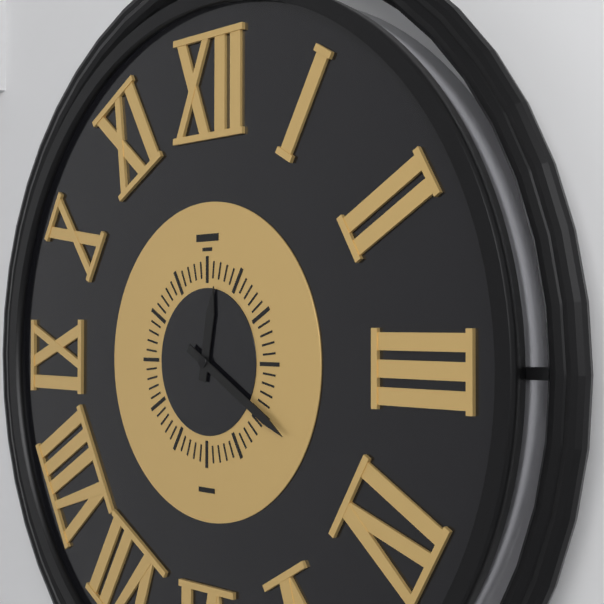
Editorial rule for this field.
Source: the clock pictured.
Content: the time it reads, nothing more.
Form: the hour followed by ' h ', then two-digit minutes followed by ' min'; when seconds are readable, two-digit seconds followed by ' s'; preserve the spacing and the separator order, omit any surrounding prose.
12 h 20 min
